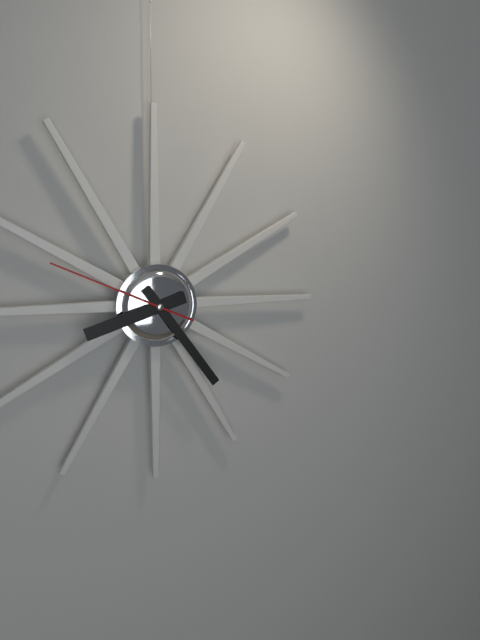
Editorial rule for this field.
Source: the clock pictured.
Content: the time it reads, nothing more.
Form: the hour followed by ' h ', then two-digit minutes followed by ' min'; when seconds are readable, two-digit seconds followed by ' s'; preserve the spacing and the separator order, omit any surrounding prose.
8 h 24 min 49 s
